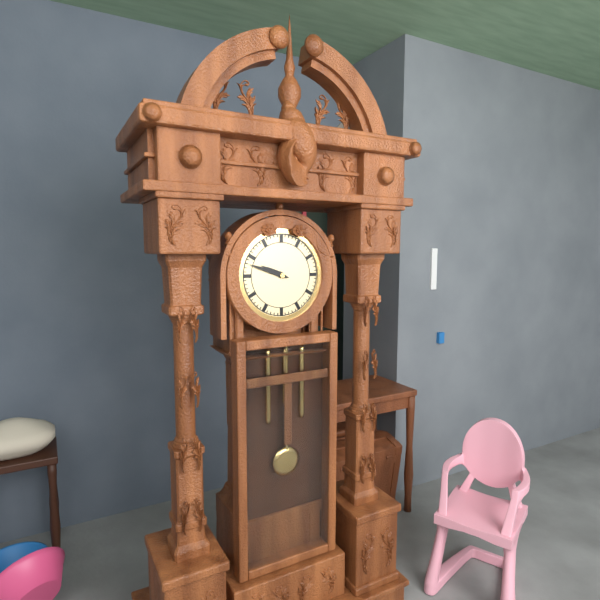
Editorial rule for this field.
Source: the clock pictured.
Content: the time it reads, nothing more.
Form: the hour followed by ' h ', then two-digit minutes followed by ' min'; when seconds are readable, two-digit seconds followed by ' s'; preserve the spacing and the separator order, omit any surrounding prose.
9 h 48 min
